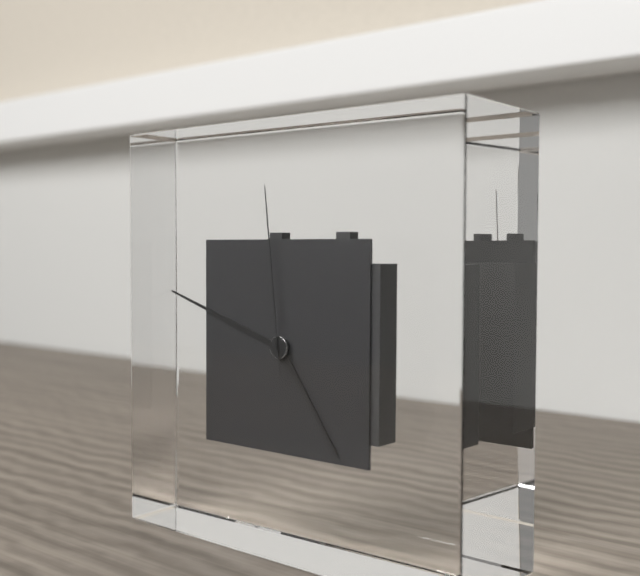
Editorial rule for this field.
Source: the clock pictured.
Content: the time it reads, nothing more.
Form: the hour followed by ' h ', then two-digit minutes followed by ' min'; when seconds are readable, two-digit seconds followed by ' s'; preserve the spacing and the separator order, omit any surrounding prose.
4 h 48 min 59 s
